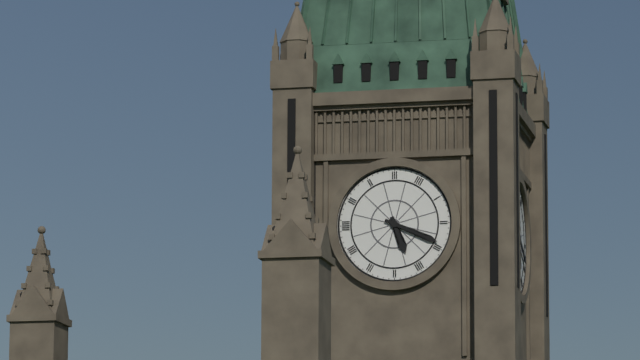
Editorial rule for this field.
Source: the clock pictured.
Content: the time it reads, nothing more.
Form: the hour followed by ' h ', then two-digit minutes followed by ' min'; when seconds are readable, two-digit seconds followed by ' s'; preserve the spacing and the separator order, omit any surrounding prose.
5 h 19 min
